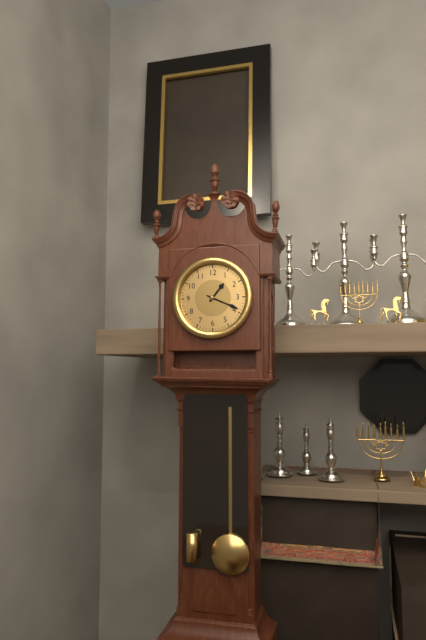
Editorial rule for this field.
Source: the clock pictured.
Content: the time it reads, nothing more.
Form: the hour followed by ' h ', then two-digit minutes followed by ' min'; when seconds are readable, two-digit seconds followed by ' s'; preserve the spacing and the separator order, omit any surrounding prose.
1 h 19 min
